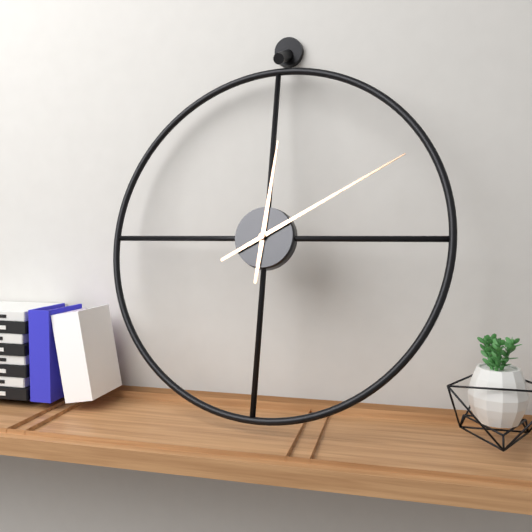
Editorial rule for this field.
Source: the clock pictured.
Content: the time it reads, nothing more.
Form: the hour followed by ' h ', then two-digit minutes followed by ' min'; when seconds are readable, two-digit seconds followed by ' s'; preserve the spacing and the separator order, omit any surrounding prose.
12 h 10 min
